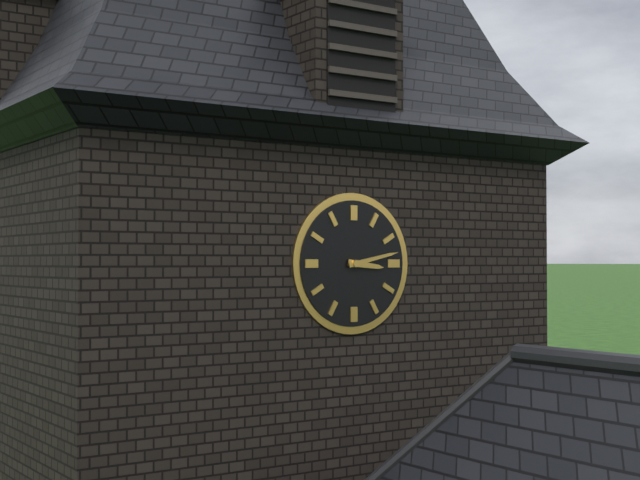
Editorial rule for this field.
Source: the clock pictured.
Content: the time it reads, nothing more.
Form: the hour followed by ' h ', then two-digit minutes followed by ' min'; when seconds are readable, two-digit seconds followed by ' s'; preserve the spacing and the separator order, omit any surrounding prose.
3 h 13 min
